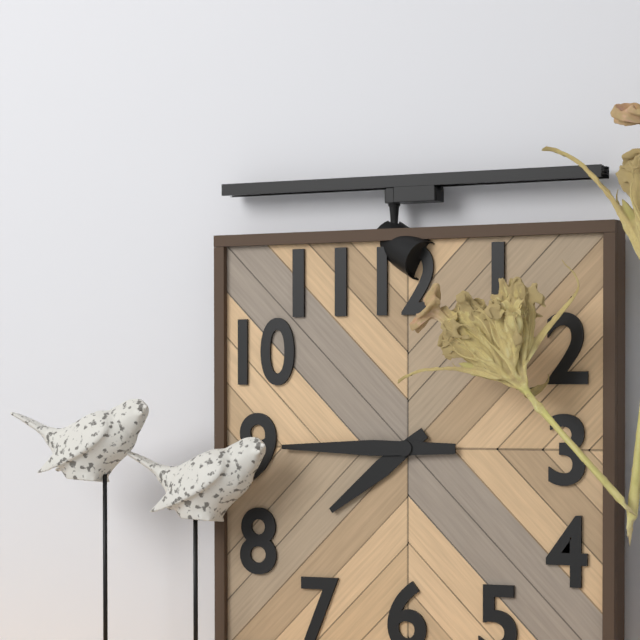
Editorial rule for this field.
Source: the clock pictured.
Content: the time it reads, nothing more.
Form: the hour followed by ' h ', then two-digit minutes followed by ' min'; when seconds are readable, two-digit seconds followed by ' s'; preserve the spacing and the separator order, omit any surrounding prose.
7 h 45 min
